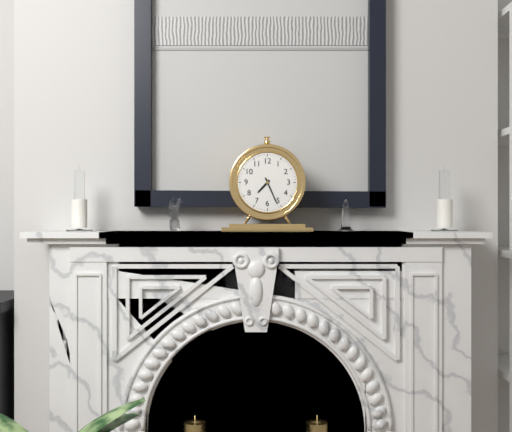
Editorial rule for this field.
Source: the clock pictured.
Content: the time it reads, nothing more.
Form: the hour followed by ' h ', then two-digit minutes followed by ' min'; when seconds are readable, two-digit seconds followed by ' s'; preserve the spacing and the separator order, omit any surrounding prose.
7 h 26 min
